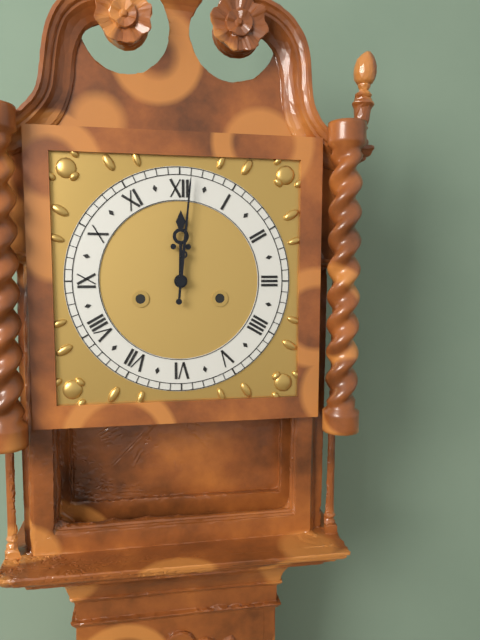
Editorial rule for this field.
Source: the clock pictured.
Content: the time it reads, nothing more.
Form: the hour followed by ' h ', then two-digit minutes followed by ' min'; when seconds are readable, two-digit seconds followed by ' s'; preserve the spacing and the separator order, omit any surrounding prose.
12 h 01 min
